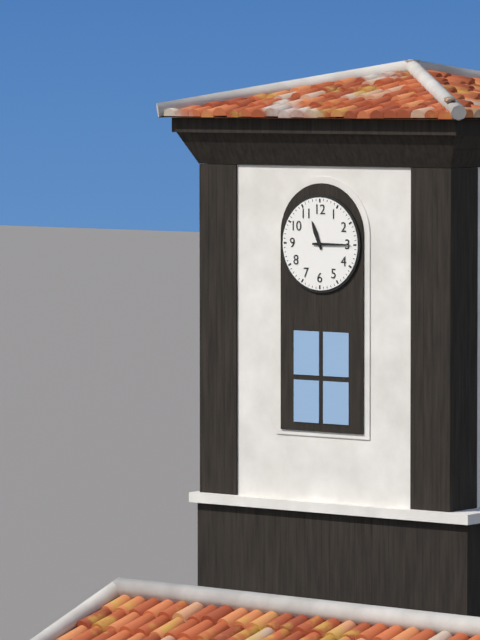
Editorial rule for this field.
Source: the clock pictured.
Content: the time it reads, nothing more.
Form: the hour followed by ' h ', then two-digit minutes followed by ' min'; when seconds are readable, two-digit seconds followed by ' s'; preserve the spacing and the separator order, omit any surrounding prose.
11 h 15 min
